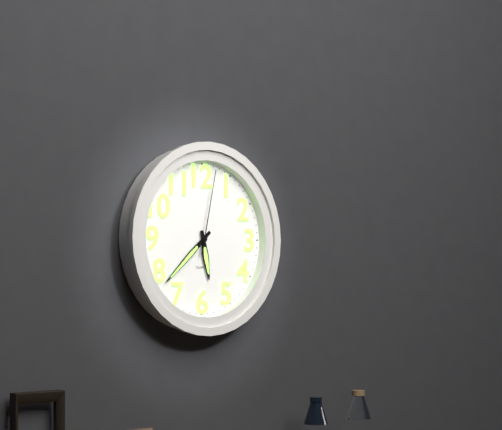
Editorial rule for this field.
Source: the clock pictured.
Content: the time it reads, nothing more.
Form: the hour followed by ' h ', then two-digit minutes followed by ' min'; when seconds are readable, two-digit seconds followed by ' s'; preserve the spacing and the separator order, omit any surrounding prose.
5 h 38 min 02 s
